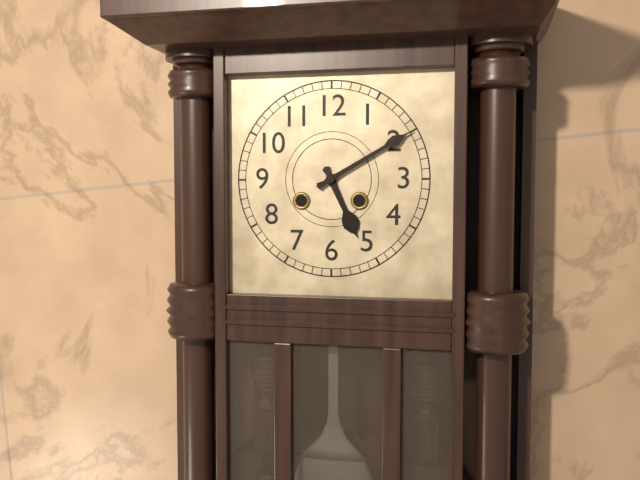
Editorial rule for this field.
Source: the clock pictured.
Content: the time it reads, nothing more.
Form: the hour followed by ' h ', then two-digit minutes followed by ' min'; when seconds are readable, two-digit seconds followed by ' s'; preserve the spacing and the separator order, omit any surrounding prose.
5 h 10 min
